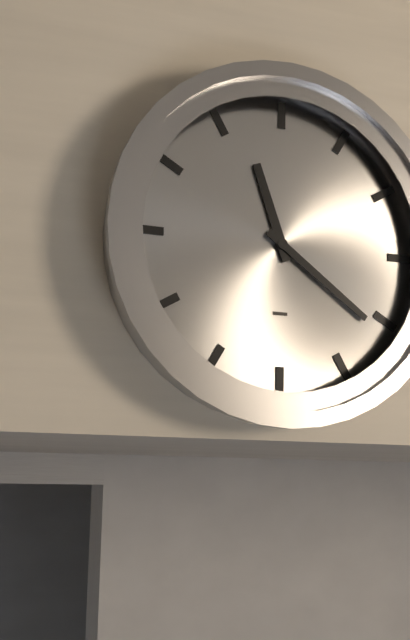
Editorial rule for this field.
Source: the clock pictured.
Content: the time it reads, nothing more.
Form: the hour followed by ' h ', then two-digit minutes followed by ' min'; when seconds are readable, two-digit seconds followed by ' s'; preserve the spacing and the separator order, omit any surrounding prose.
11 h 21 min
